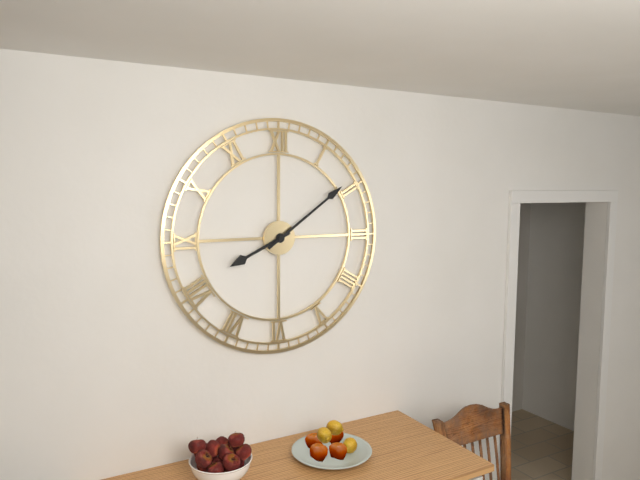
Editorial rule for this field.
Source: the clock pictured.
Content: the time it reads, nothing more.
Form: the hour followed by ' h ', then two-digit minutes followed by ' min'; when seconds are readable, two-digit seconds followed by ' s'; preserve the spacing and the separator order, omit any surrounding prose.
8 h 09 min
